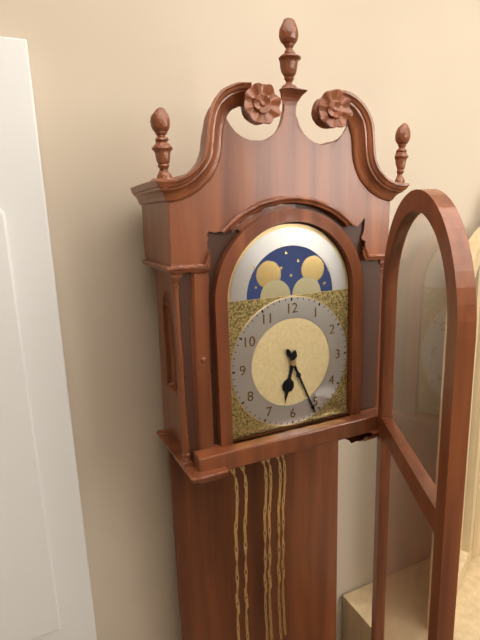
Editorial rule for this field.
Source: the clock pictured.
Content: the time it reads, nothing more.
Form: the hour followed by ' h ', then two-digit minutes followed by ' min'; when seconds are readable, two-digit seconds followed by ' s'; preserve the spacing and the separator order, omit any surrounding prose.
6 h 26 min
